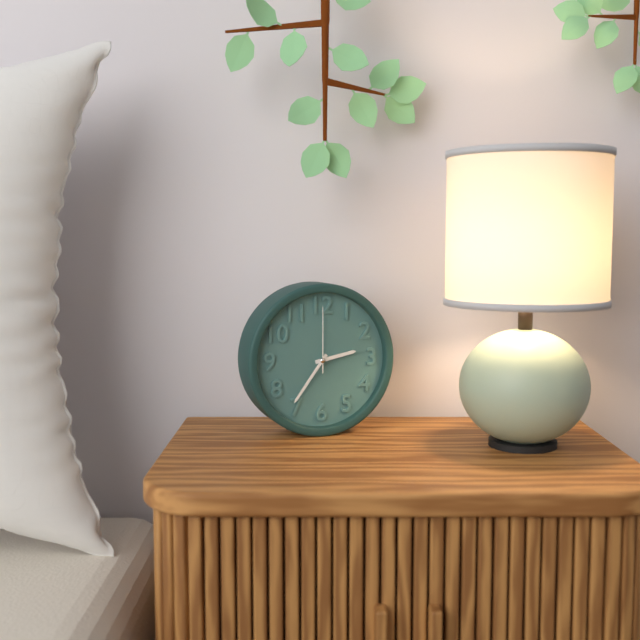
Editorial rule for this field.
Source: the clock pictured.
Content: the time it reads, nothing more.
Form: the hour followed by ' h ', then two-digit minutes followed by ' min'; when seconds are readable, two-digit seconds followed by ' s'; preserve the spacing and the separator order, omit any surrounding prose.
2 h 36 min 00 s
